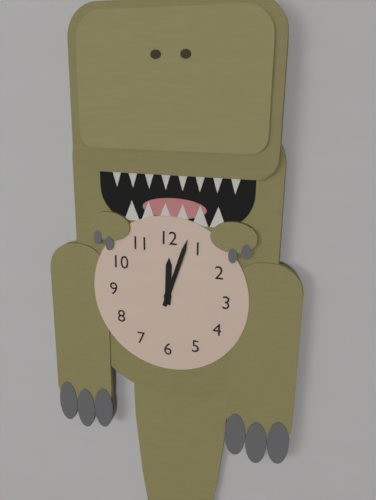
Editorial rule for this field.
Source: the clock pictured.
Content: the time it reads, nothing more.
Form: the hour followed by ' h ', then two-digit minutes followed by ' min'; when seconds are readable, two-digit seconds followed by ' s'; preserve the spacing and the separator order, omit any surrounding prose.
12 h 03 min
